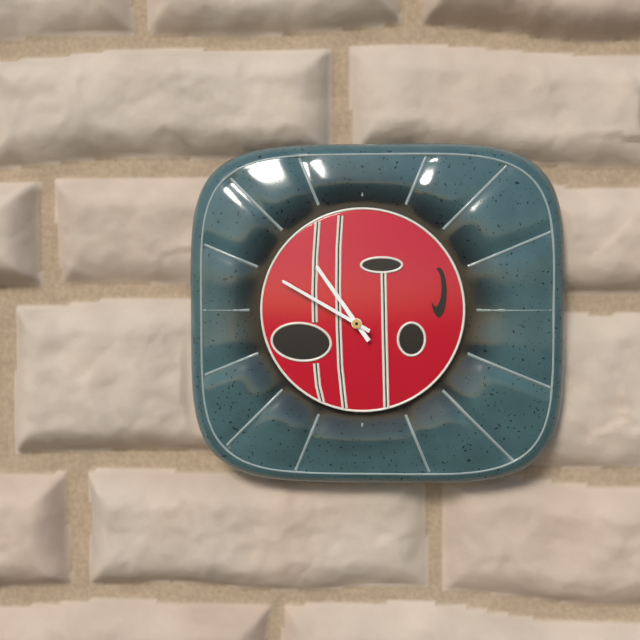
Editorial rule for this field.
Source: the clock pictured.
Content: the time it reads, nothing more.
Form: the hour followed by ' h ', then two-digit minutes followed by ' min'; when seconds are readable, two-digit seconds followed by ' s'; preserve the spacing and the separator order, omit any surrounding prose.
10 h 50 min
